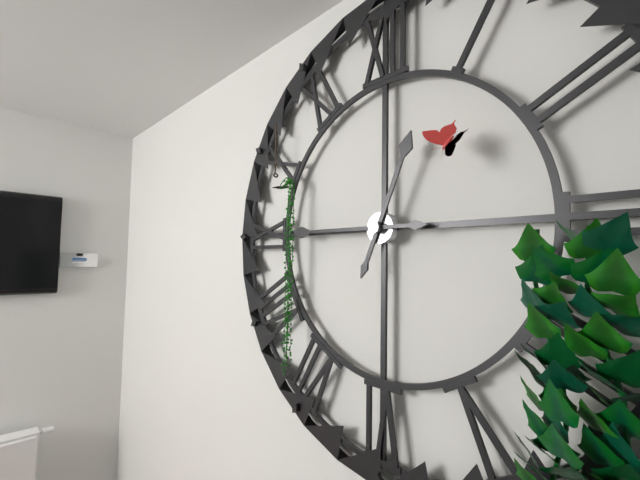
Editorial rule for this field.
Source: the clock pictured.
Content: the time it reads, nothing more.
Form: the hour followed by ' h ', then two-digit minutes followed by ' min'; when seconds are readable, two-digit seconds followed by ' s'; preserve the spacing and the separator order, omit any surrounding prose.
12 h 45 min
